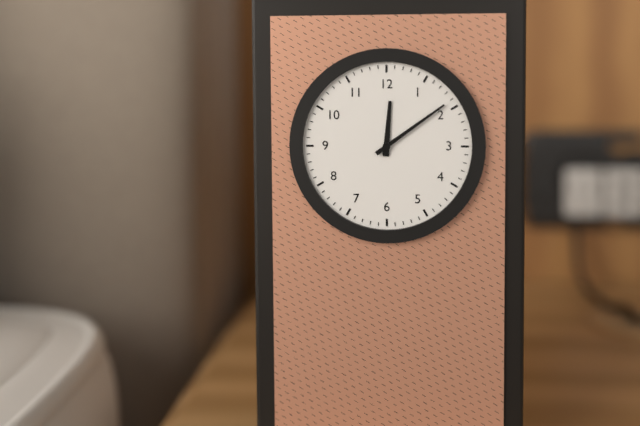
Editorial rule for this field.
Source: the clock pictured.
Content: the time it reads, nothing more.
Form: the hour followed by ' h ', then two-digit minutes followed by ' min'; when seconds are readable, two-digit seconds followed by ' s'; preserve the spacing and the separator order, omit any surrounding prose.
12 h 09 min
